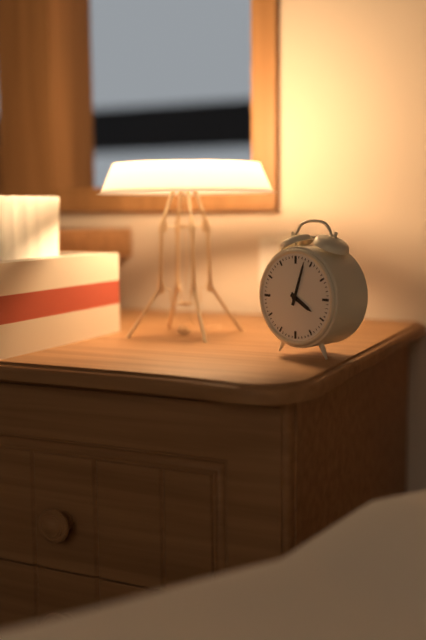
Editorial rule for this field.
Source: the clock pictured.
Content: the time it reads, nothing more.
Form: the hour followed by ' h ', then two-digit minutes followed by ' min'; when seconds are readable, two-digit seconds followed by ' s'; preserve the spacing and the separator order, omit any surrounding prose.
4 h 03 min
